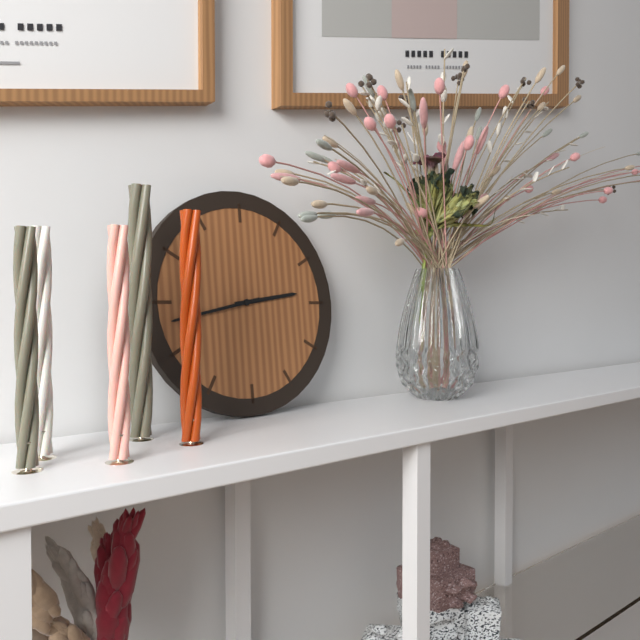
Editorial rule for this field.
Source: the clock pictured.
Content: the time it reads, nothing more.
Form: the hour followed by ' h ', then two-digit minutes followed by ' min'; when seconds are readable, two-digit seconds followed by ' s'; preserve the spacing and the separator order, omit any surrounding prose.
2 h 43 min
